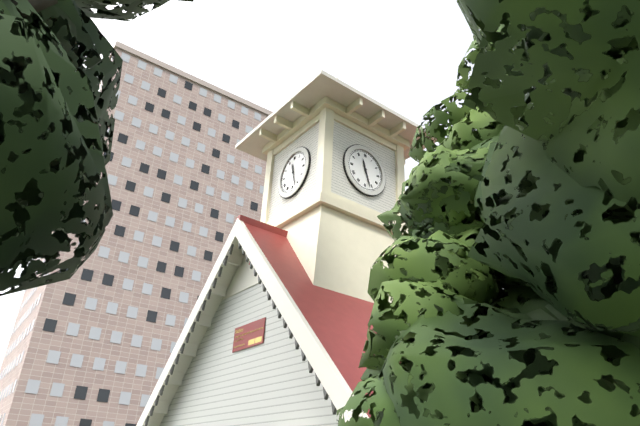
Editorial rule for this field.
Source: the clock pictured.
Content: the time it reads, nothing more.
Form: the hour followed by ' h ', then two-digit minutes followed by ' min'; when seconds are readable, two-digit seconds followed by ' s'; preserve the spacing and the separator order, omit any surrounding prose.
11 h 27 min
